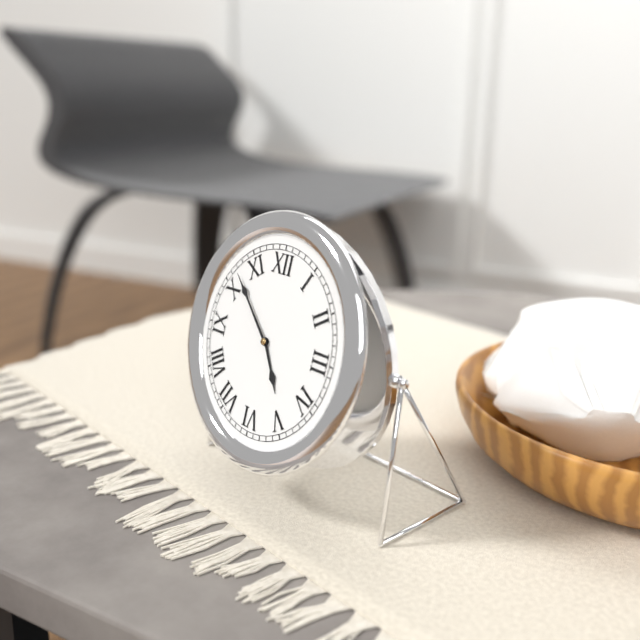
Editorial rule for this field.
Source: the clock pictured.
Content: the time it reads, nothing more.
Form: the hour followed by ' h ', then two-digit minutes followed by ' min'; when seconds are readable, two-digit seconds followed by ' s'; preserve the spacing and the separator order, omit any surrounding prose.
4 h 52 min
